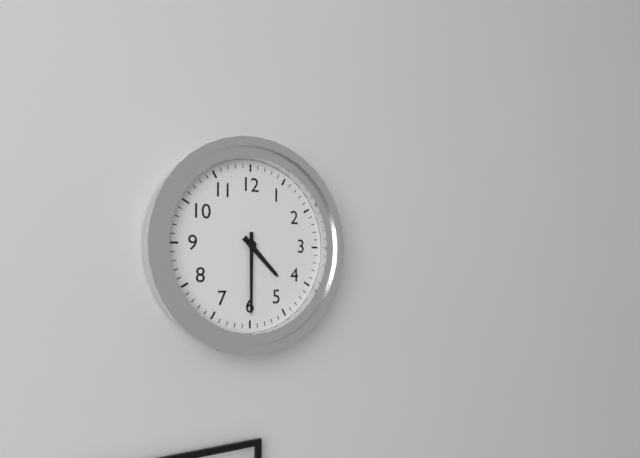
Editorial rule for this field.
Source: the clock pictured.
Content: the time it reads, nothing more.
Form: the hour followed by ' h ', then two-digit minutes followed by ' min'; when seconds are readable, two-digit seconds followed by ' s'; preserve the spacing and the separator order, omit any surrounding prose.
4 h 30 min
